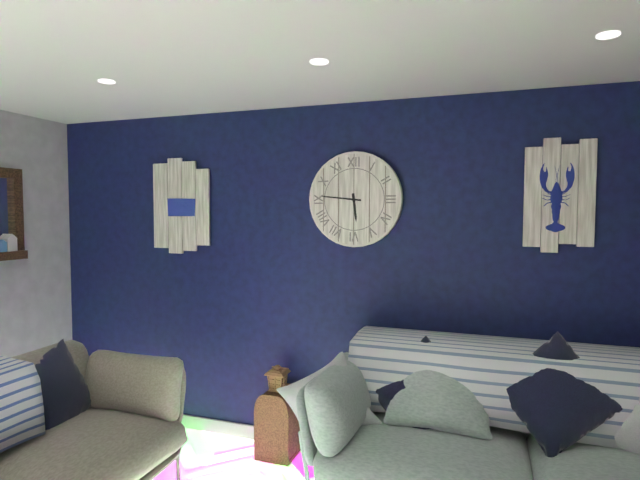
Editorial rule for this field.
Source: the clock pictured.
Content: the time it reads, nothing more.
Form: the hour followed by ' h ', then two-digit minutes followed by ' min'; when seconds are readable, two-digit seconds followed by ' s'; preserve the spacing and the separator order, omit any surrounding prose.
5 h 46 min
